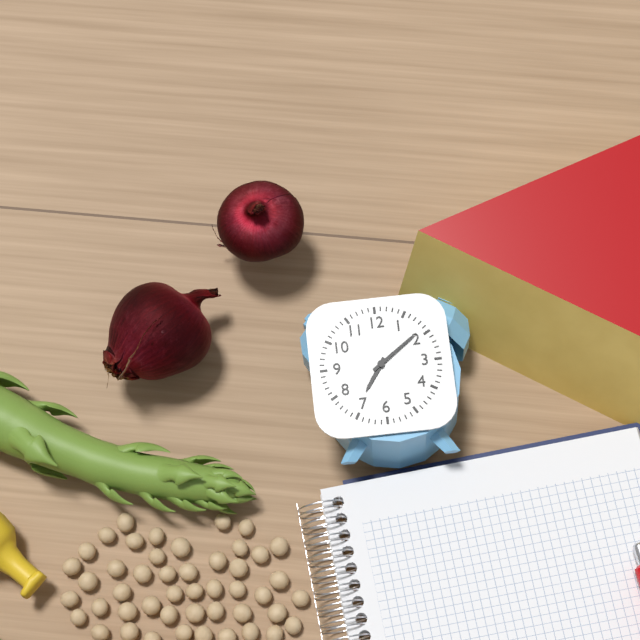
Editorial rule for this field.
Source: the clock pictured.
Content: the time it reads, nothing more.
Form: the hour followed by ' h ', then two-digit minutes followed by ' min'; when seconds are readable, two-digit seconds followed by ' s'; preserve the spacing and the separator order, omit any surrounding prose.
7 h 09 min
